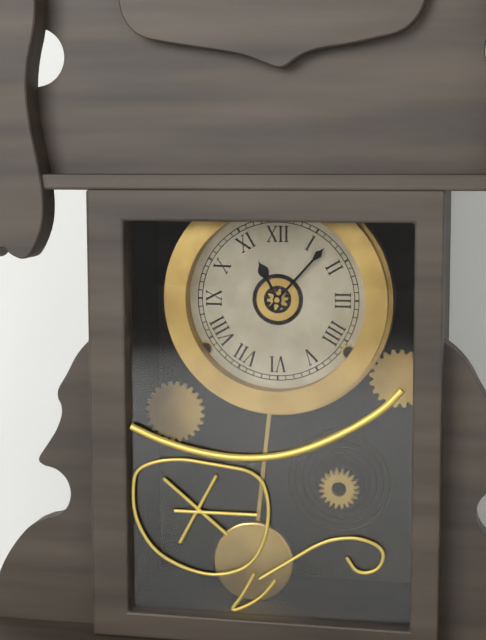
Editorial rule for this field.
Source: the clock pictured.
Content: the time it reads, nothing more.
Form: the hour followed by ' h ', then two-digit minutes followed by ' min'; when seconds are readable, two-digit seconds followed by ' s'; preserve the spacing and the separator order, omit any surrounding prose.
11 h 07 min
